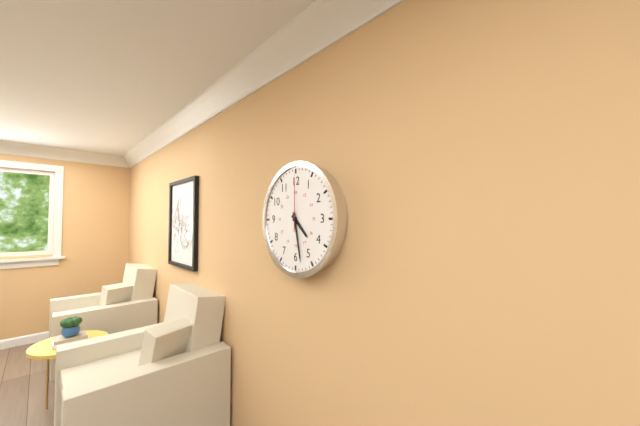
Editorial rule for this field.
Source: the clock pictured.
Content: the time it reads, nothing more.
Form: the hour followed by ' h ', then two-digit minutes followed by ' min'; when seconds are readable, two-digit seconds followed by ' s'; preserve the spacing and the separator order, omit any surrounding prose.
4 h 28 min 00 s
